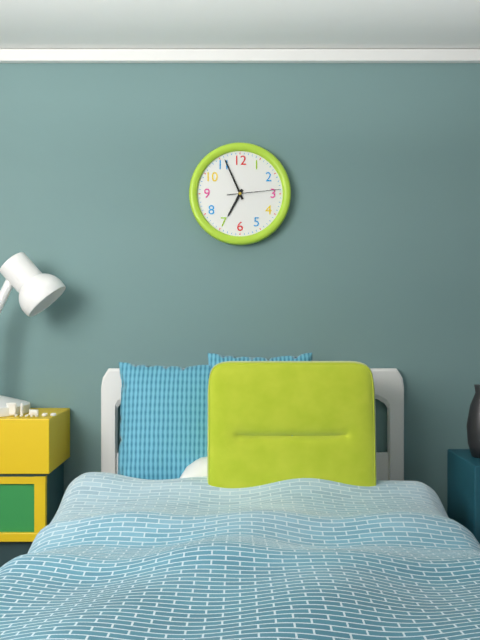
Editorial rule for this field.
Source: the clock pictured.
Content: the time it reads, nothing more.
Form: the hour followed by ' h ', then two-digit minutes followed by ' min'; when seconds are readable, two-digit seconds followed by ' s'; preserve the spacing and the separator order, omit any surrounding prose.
6 h 56 min 14 s
